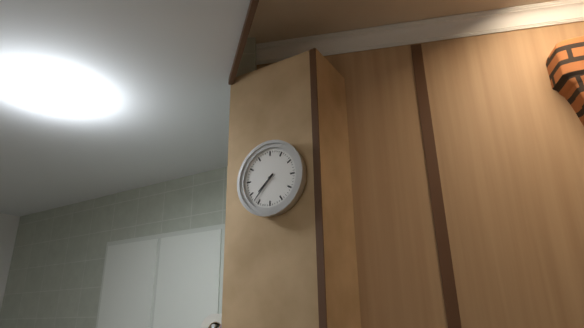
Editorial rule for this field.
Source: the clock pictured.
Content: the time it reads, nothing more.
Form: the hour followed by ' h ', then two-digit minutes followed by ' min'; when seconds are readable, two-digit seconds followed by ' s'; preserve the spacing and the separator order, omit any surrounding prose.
7 h 37 min
